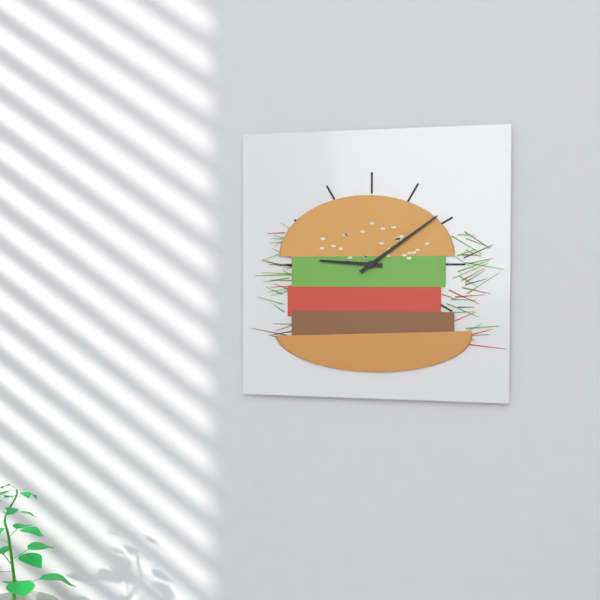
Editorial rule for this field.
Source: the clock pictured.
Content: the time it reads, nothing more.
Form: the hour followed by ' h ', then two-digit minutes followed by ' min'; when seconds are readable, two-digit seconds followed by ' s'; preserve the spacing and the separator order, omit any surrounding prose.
9 h 09 min
